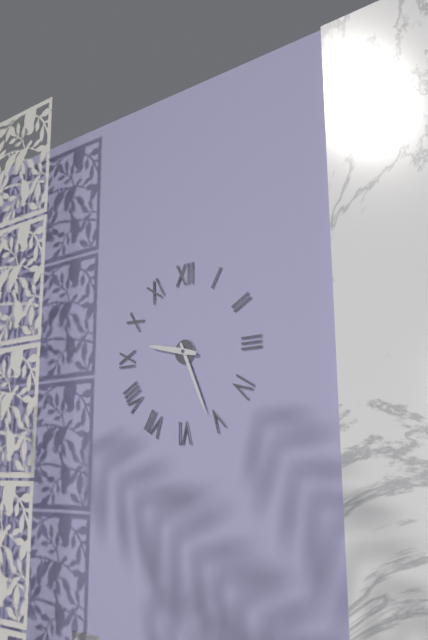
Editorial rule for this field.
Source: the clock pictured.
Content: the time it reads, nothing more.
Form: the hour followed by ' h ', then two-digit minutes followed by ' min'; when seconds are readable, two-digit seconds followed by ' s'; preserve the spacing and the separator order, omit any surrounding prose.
9 h 26 min
